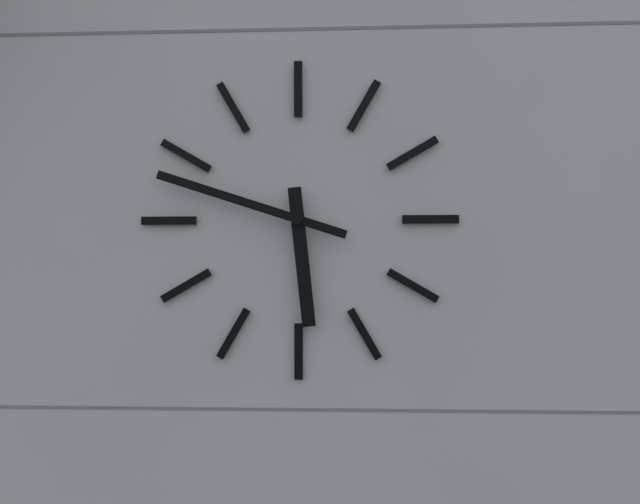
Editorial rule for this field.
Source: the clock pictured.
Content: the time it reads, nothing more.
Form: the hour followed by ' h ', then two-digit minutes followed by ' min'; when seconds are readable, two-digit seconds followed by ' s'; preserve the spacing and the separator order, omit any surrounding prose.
5 h 48 min
